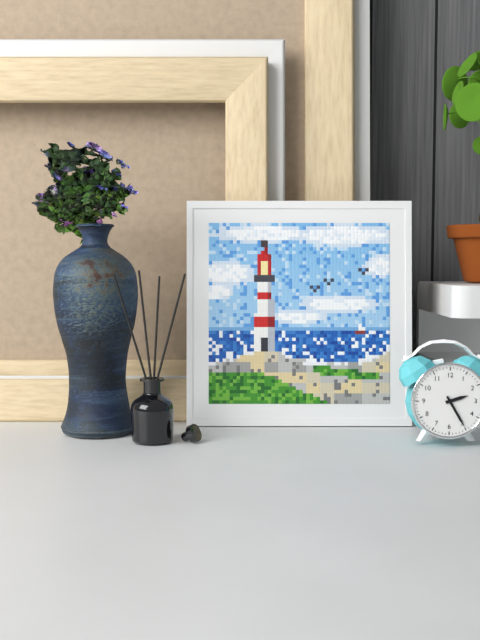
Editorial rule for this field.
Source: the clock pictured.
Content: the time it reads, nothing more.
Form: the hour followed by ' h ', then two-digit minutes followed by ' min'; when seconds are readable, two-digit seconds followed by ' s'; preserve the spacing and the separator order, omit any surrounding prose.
2 h 25 min
